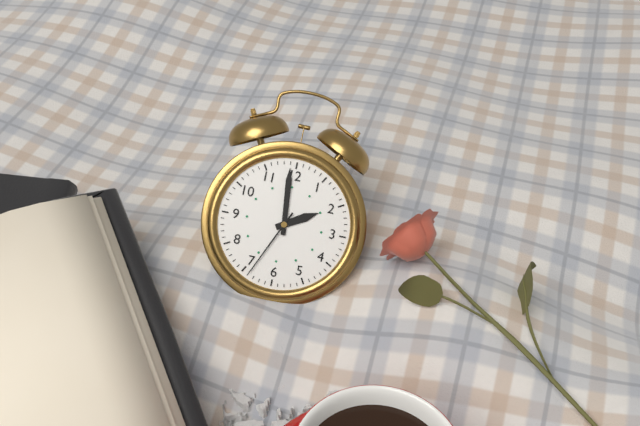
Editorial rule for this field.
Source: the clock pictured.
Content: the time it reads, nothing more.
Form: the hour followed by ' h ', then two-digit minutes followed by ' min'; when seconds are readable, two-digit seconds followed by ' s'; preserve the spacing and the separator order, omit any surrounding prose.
1 h 59 min 34 s
